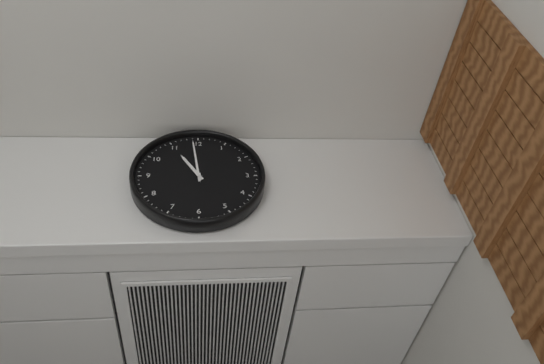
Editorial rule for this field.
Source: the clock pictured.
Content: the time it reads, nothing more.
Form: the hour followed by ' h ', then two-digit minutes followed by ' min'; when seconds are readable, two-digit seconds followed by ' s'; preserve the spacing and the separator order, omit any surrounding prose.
10 h 59 min
